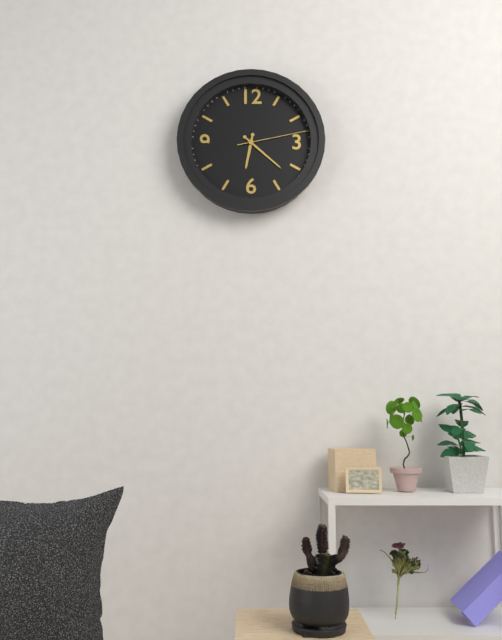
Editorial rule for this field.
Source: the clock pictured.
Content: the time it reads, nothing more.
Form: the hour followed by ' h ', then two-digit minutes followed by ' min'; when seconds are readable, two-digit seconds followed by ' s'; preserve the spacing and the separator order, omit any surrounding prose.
6 h 22 min 13 s
